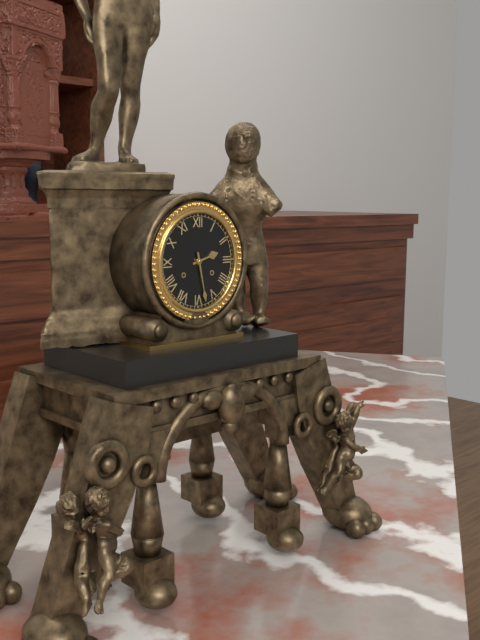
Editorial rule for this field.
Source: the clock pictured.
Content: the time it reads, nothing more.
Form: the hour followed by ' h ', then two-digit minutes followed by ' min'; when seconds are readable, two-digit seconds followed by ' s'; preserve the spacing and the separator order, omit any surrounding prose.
2 h 28 min
